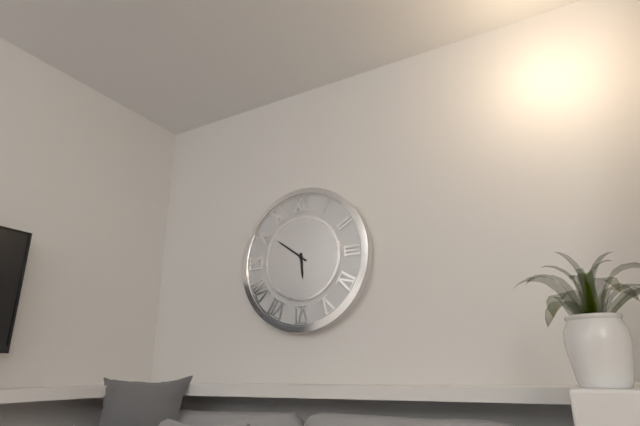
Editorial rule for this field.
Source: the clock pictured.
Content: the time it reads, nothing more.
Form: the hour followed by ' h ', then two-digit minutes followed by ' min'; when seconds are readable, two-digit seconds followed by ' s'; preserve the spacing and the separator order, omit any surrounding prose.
5 h 51 min
